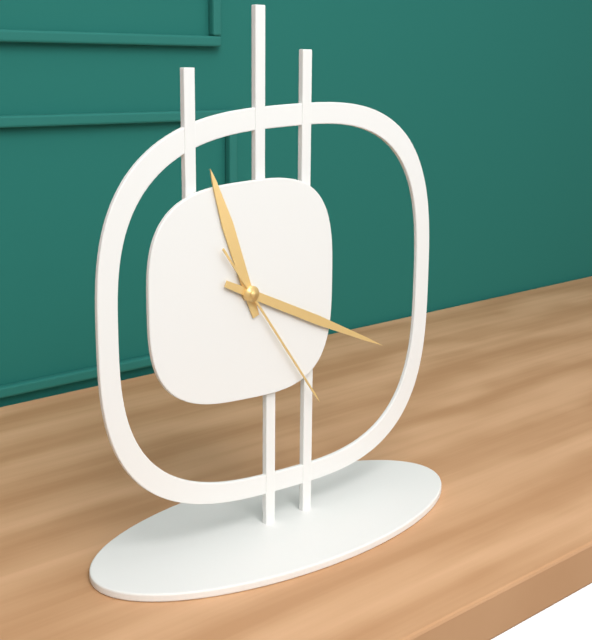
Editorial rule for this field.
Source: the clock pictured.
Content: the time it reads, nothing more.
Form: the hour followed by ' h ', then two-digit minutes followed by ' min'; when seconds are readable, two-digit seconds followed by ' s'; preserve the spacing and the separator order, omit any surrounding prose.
11 h 19 min 24 s
